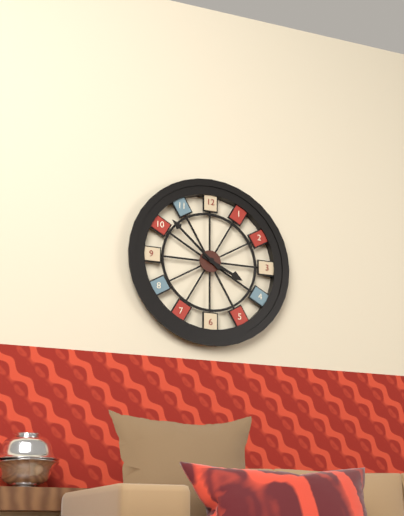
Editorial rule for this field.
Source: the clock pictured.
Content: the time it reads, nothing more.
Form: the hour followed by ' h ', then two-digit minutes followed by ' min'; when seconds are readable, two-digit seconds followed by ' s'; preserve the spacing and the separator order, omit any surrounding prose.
3 h 52 min
